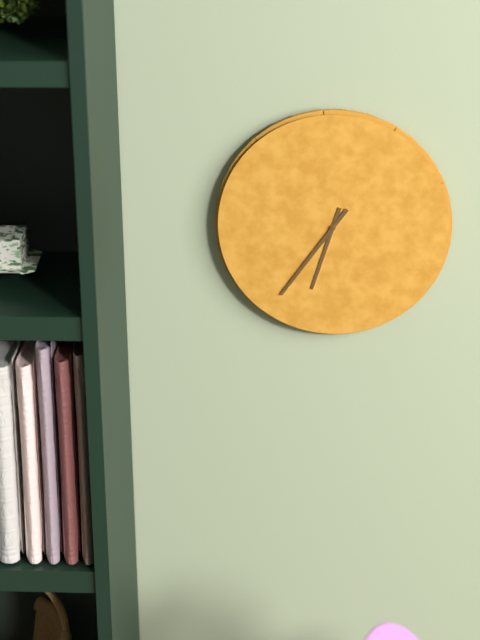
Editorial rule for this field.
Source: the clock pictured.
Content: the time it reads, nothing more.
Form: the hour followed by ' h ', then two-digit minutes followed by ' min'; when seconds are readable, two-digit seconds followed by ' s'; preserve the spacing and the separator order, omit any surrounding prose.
6 h 36 min
